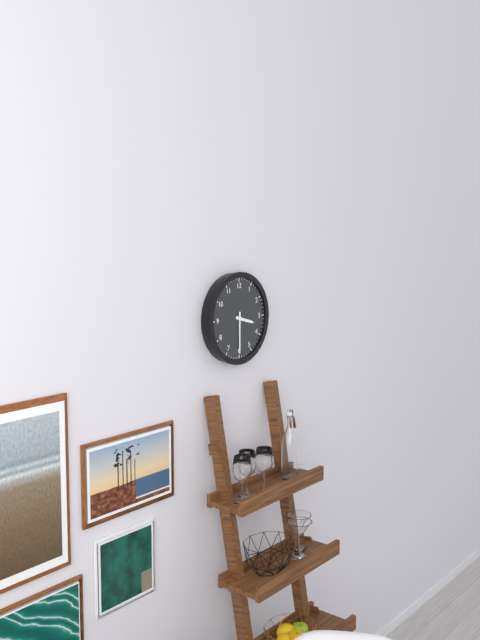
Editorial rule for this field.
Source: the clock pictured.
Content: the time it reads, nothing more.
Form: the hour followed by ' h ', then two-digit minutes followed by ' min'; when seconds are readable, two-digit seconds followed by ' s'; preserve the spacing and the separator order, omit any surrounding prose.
3 h 30 min
